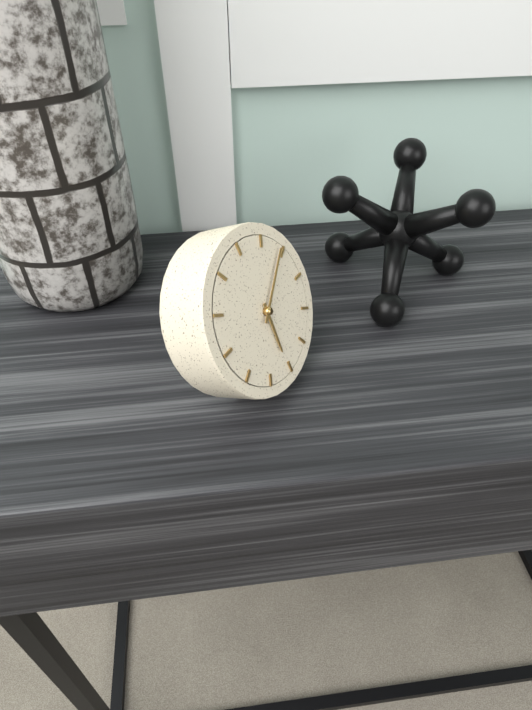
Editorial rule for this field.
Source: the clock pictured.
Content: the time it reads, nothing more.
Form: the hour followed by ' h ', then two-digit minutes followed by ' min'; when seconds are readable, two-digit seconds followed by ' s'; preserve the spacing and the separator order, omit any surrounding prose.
6 h 09 min
